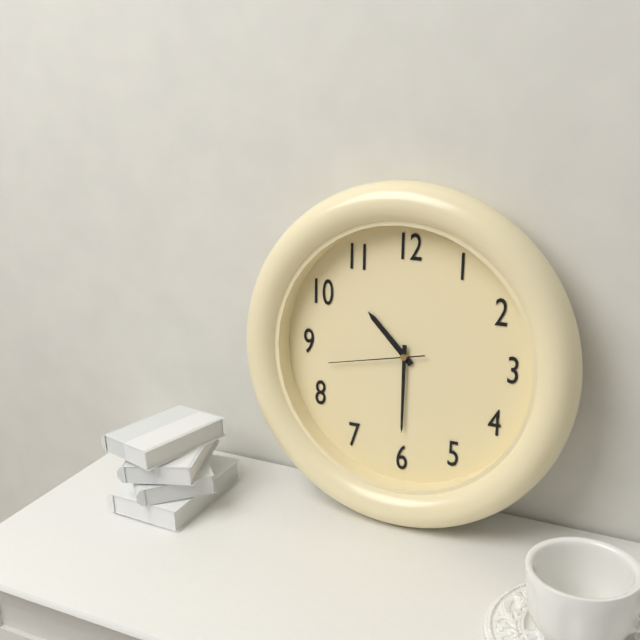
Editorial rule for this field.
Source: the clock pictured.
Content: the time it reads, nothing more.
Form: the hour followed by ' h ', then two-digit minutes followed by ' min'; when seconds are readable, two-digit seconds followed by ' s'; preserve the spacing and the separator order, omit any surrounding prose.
10 h 30 min 43 s
